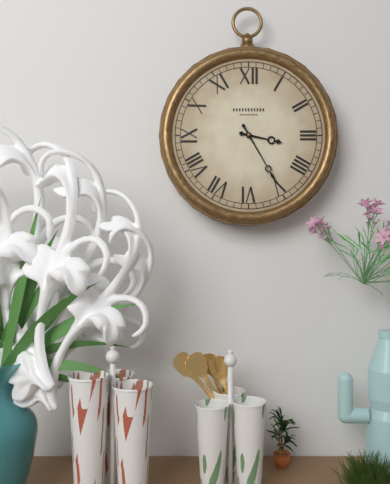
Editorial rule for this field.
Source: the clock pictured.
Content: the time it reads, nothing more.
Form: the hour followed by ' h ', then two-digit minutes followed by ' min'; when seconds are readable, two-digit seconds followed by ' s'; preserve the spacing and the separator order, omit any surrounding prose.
3 h 25 min
